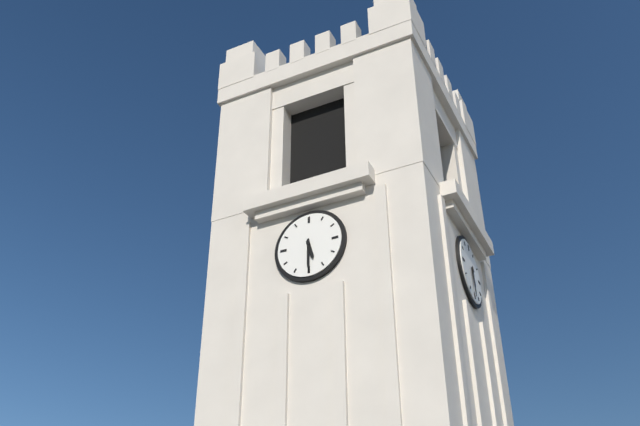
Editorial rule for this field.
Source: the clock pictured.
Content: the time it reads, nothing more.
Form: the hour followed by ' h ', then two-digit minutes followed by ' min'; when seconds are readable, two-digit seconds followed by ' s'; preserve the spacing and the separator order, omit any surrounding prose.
5 h 30 min
